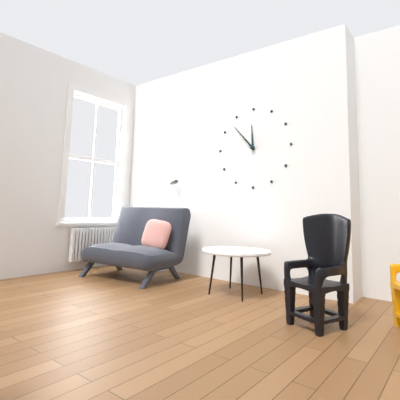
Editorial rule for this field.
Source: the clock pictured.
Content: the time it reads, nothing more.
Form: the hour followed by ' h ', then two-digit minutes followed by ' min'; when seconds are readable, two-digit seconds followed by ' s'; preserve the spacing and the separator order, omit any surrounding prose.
11 h 53 min
